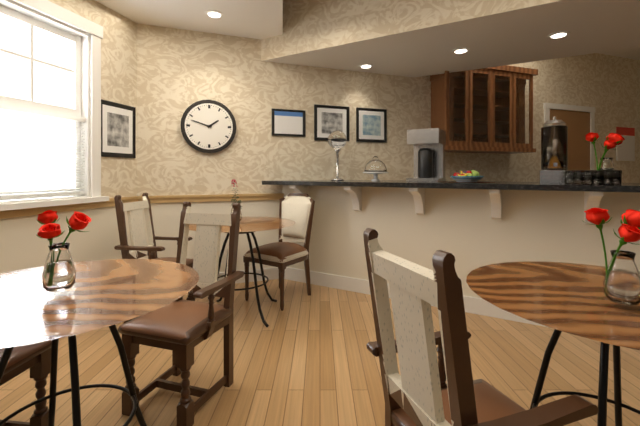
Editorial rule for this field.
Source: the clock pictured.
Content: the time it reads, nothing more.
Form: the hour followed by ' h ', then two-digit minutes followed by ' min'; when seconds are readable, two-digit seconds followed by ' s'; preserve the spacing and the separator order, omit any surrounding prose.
1 h 48 min
